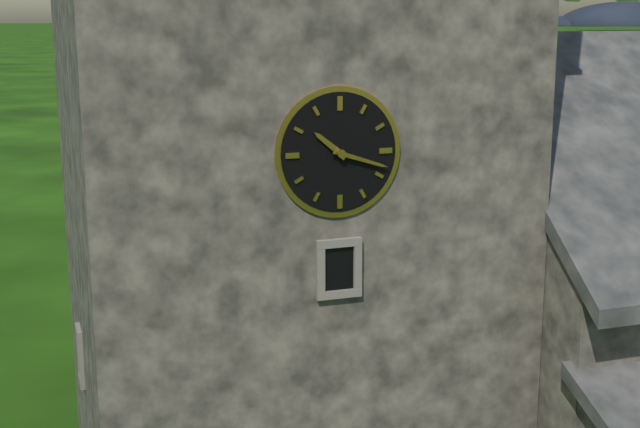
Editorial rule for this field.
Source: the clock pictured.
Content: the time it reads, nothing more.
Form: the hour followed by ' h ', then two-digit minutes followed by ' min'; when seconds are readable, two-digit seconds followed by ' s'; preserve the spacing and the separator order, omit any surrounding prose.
10 h 18 min
